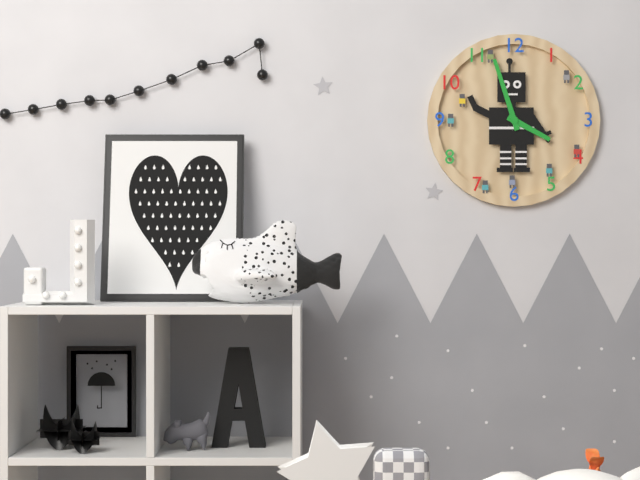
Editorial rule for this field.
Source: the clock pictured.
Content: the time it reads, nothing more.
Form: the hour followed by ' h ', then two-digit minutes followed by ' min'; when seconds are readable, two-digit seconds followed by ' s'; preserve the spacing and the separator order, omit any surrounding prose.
3 h 57 min
